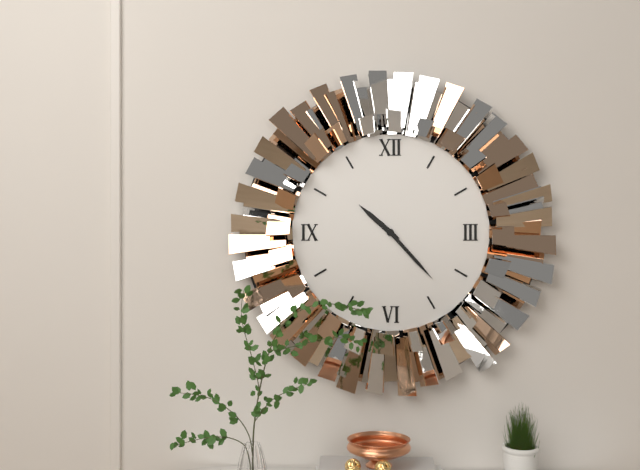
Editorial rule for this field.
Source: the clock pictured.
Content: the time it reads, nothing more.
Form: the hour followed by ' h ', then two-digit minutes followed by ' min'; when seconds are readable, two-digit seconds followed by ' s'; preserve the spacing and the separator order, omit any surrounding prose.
10 h 23 min
